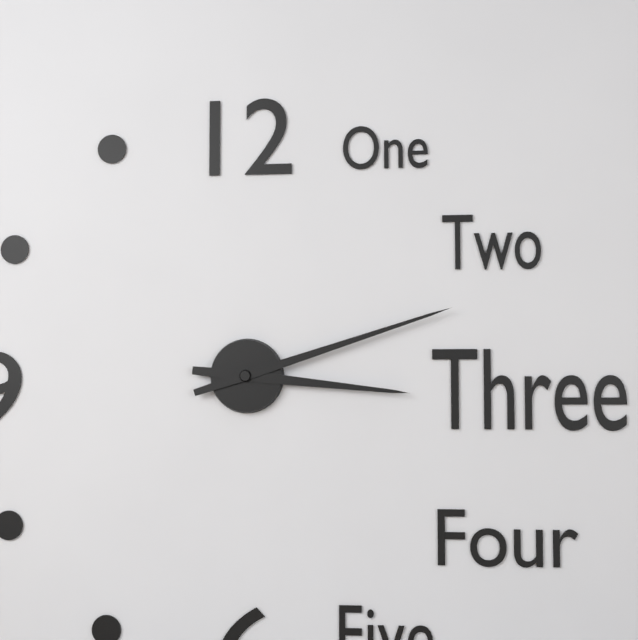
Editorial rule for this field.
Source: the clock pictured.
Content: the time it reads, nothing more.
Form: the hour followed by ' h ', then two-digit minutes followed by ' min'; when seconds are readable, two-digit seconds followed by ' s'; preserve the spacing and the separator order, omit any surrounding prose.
3 h 12 min
